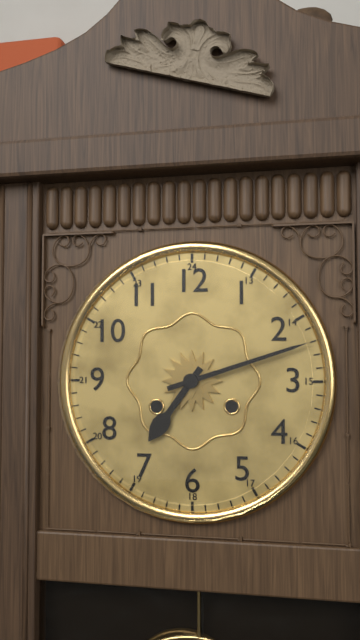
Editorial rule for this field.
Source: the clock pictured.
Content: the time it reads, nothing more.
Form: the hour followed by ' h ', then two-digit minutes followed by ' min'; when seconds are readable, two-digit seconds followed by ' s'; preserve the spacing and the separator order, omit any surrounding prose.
7 h 12 min
